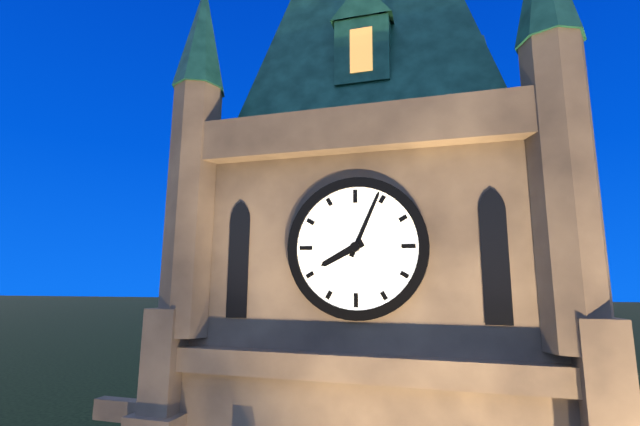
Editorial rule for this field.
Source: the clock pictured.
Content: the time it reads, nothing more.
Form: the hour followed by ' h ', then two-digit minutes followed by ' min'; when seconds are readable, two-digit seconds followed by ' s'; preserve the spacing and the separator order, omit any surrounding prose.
8 h 04 min
